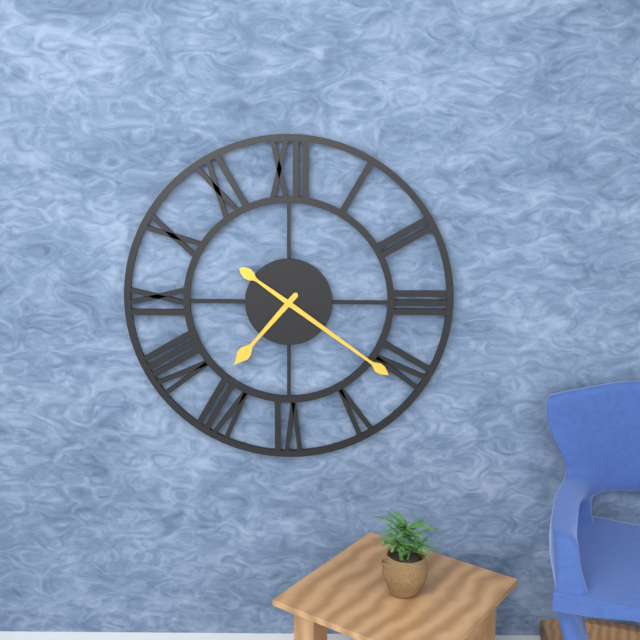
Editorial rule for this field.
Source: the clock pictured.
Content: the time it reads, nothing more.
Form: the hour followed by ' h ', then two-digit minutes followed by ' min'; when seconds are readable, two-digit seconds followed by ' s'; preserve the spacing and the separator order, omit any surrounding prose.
7 h 21 min
